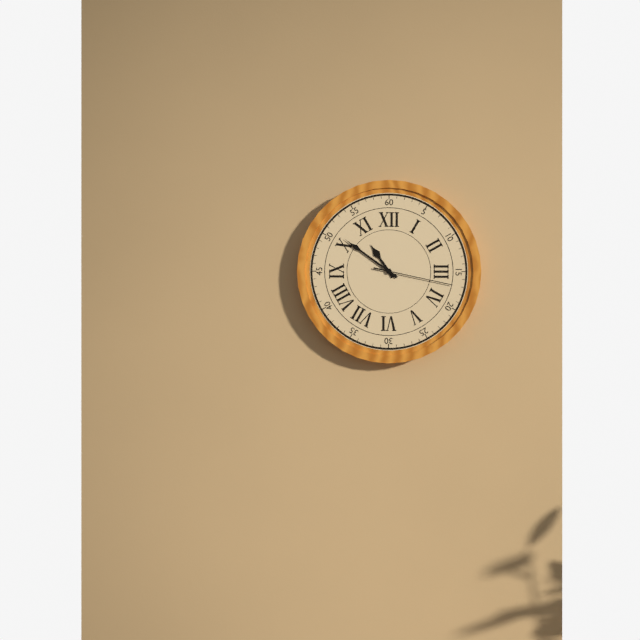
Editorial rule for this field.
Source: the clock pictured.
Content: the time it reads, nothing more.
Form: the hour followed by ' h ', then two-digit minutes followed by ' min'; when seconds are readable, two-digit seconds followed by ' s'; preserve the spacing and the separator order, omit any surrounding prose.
10 h 51 min 17 s
